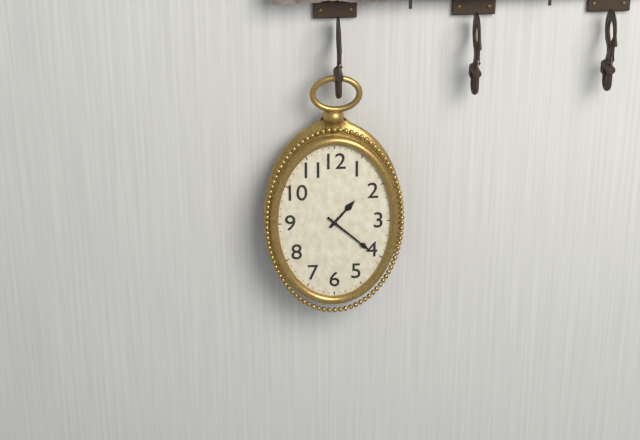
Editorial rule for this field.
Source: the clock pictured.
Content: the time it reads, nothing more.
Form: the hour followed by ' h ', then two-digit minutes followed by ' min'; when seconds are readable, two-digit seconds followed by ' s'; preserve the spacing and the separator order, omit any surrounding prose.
1 h 22 min
